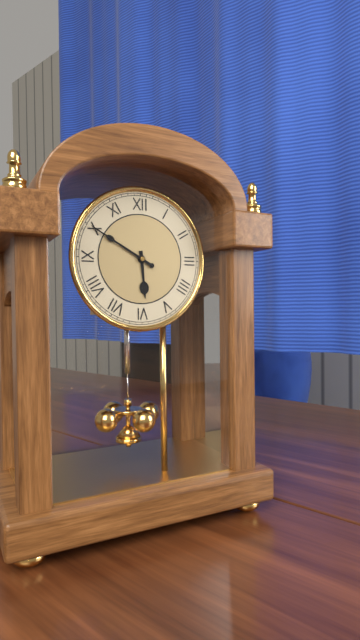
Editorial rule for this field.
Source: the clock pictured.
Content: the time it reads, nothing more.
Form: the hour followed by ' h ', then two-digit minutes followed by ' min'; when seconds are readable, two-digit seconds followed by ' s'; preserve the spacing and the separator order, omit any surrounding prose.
5 h 50 min
